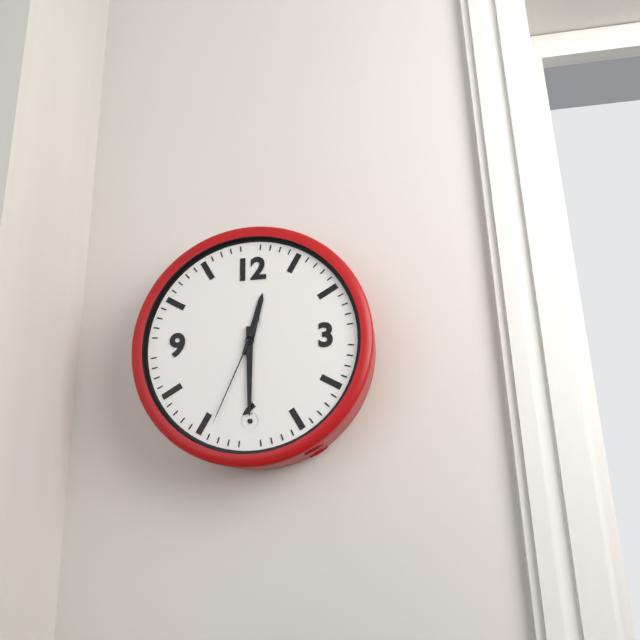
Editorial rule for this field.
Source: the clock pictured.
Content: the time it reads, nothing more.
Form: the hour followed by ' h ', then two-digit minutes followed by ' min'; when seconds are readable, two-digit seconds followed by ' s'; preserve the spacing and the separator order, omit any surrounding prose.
12 h 30 min 34 s
